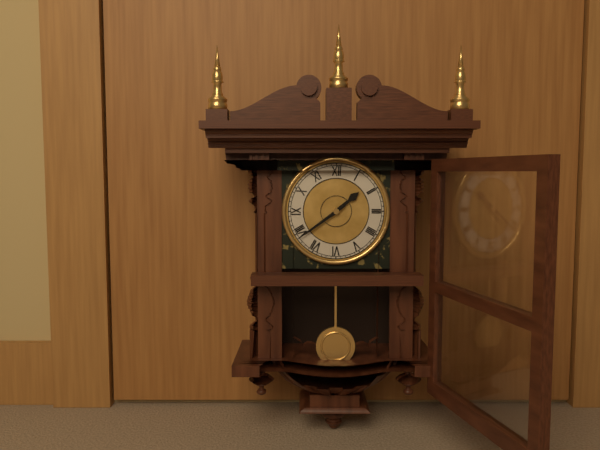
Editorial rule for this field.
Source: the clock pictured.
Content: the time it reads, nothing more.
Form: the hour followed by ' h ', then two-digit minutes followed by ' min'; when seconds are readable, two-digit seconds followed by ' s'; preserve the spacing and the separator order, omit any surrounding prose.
1 h 39 min
